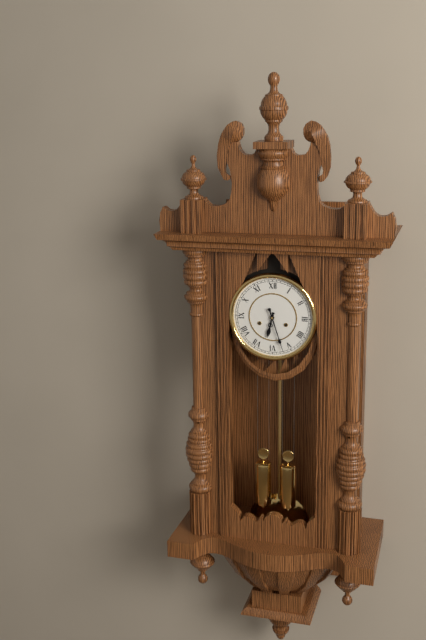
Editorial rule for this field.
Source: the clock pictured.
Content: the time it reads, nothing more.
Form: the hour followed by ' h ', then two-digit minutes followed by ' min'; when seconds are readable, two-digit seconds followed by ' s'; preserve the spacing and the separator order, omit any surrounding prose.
6 h 27 min
